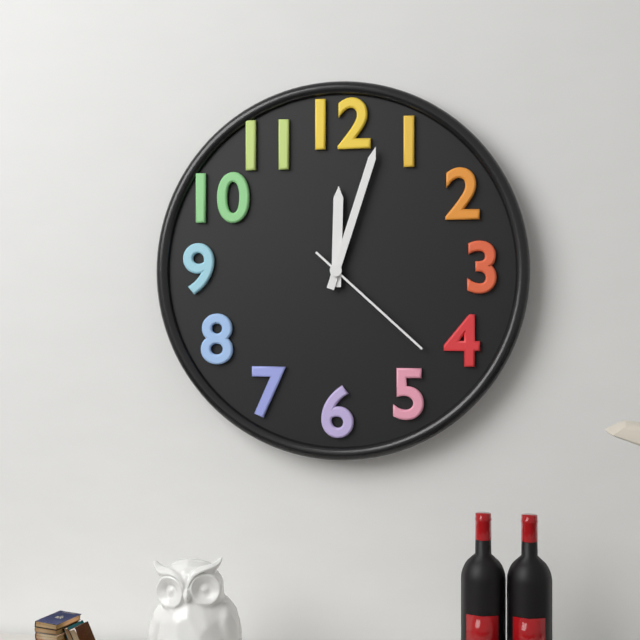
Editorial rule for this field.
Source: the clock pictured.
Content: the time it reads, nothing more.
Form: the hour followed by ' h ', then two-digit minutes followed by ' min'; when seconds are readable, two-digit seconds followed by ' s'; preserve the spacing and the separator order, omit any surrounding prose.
12 h 03 min 22 s
